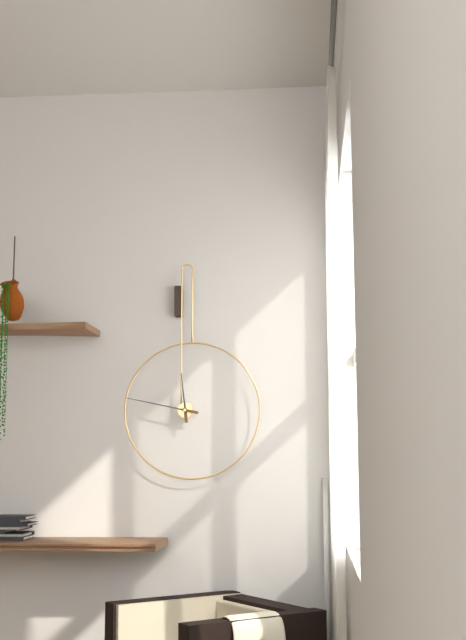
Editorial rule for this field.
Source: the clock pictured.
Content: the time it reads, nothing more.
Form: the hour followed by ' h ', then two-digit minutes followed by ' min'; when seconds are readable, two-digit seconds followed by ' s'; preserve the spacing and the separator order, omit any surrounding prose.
11 h 47 min
